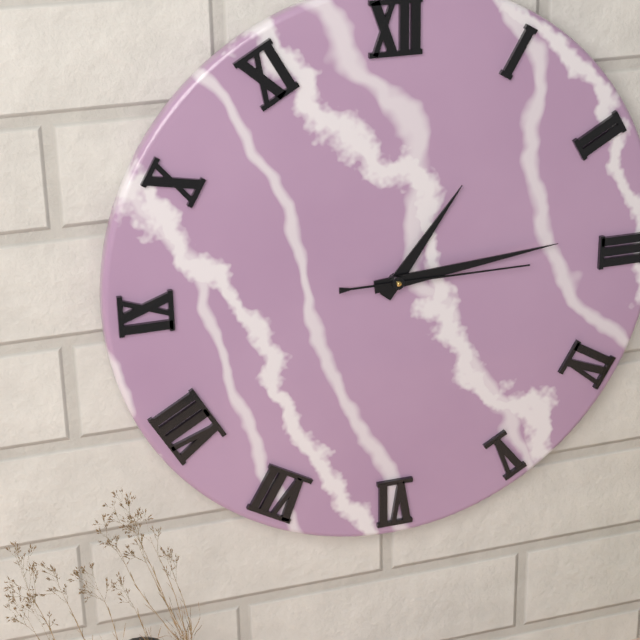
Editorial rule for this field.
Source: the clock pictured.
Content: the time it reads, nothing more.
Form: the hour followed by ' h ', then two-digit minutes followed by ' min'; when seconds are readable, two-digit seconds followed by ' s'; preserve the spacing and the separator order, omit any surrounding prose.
1 h 14 min 15 s
